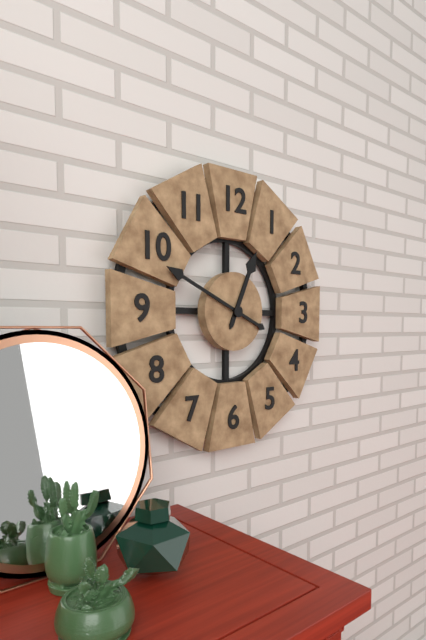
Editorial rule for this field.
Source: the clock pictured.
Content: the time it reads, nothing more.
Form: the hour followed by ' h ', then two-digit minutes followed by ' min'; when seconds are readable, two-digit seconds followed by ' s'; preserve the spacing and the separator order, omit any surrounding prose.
12 h 49 min
